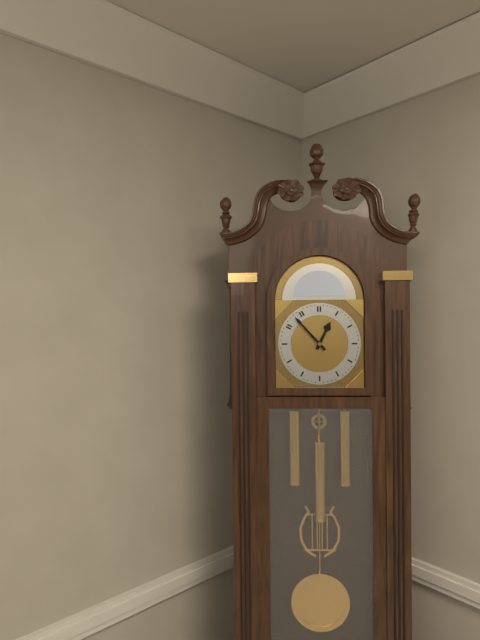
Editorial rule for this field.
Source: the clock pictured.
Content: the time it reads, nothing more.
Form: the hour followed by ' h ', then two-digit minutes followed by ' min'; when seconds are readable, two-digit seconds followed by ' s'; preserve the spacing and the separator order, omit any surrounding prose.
12 h 53 min
